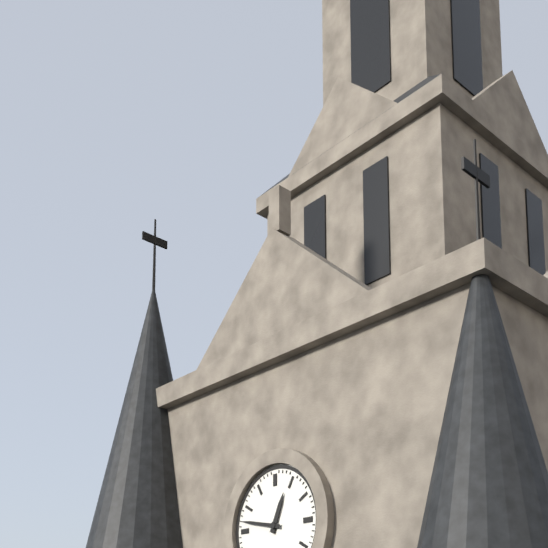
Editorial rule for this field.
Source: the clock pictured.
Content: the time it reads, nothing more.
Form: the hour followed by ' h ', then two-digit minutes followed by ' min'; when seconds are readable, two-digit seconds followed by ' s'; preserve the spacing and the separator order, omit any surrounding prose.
12 h 47 min
